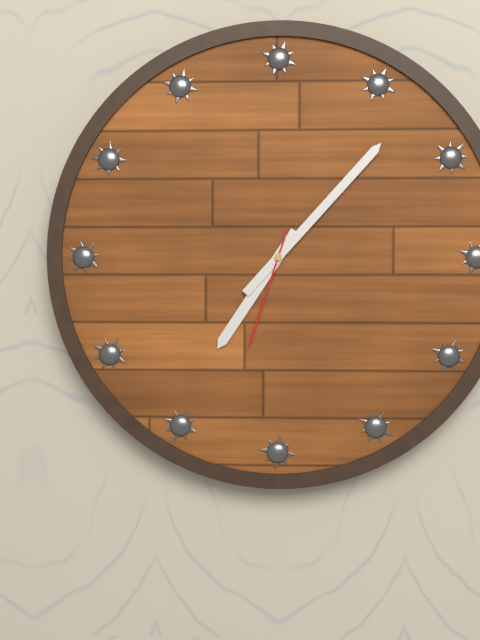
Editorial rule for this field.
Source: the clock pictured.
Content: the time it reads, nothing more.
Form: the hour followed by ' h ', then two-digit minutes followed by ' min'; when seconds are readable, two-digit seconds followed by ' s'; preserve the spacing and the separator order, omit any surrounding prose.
7 h 07 min 33 s
